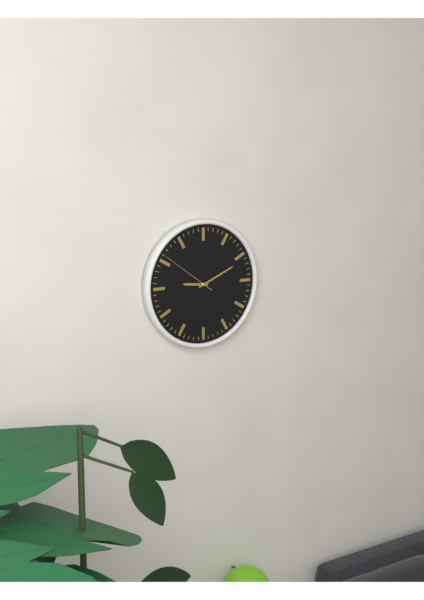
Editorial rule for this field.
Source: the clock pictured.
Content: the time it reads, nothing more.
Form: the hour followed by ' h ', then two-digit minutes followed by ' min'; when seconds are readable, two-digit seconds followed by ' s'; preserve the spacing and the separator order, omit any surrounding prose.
9 h 11 min 51 s
